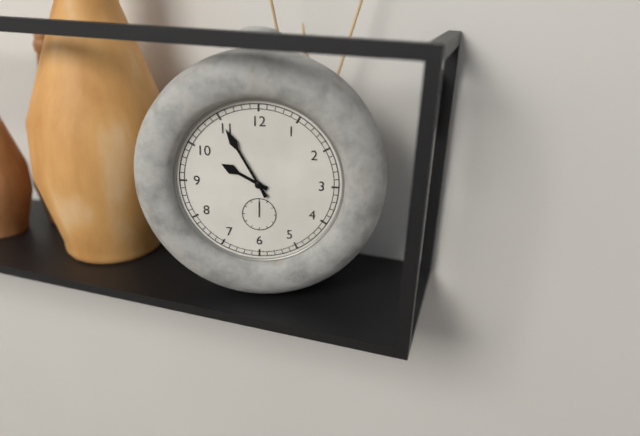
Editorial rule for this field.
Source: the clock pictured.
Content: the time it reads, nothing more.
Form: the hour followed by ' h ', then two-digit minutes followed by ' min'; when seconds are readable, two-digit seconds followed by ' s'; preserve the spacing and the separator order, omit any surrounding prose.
9 h 55 min
